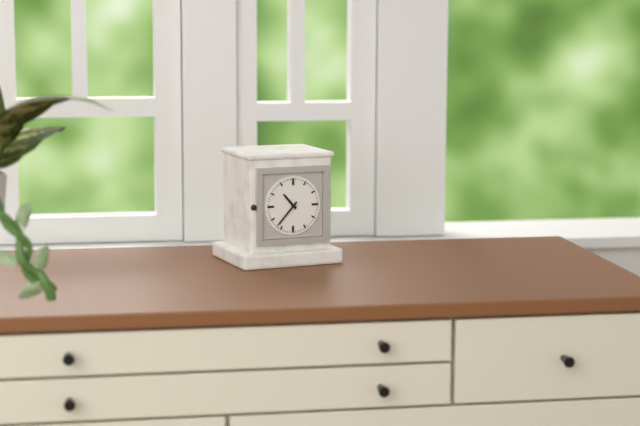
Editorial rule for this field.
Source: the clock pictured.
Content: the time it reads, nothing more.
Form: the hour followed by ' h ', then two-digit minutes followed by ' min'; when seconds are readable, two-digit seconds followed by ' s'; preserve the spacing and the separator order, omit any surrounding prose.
10 h 37 min
